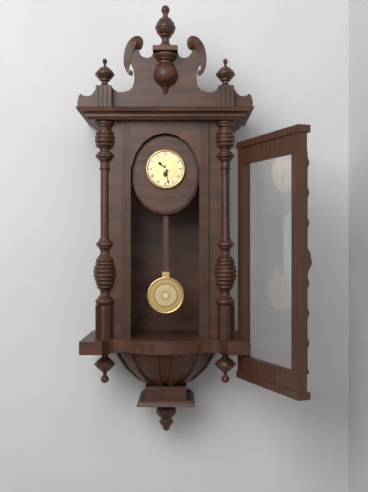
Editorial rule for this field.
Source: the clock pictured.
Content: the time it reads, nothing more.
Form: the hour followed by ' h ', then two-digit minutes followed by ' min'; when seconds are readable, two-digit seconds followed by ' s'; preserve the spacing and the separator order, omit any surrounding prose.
10 h 28 min
